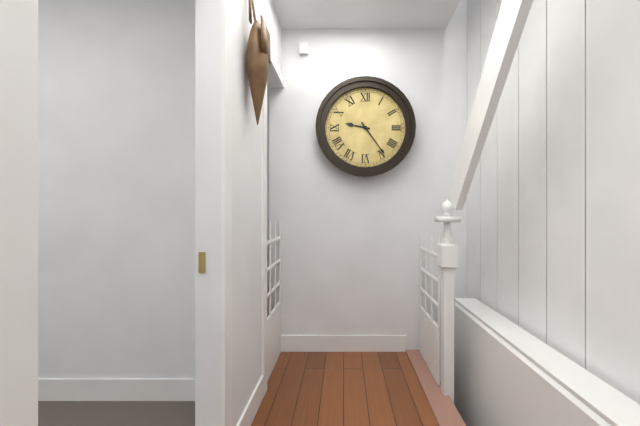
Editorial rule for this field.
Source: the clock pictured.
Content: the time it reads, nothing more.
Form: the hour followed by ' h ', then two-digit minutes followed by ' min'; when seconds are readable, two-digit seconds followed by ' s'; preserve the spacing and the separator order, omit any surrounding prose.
9 h 24 min
